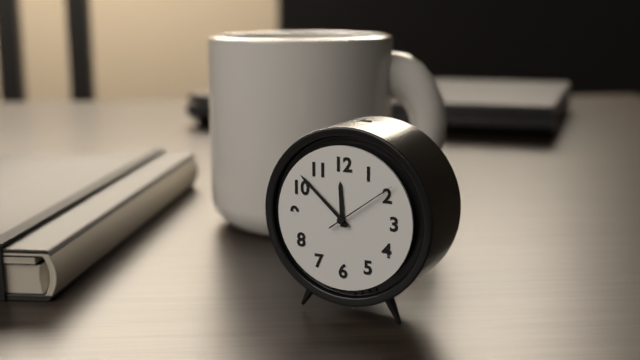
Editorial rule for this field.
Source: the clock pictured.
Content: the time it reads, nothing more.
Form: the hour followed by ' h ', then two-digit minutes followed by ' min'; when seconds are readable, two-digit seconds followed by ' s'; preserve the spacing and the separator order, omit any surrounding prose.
11 h 52 min 09 s
